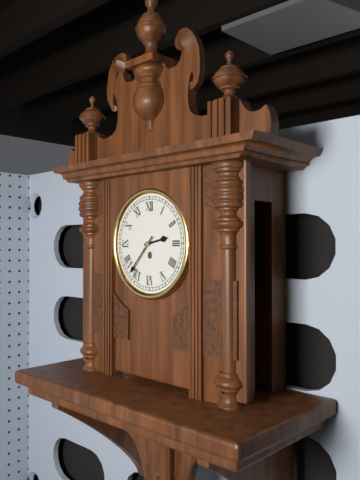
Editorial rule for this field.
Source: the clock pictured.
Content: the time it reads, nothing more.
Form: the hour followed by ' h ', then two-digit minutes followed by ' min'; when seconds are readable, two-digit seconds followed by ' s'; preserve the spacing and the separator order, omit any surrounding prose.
2 h 37 min
